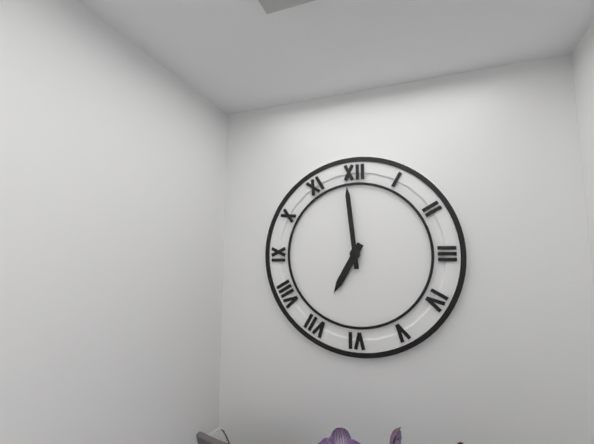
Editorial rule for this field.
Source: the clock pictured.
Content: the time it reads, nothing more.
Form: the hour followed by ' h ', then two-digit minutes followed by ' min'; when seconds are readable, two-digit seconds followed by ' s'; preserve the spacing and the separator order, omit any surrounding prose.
6 h 59 min
